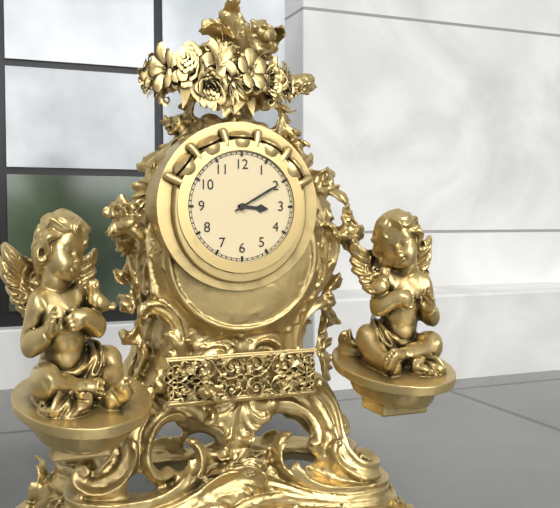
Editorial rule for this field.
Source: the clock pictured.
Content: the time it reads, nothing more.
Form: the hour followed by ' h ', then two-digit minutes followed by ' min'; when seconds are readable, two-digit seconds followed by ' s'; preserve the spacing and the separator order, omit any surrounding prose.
3 h 10 min
